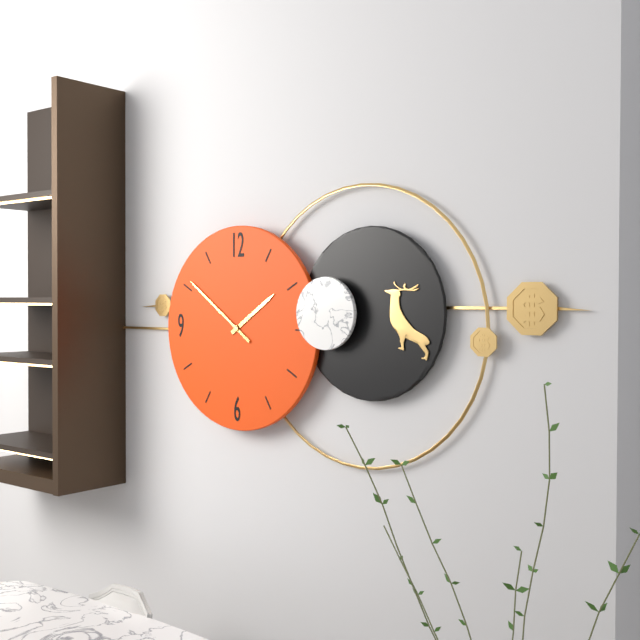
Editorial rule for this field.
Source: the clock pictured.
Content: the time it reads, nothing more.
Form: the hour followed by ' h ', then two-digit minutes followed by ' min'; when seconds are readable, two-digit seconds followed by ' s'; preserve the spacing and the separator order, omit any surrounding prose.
1 h 51 min
